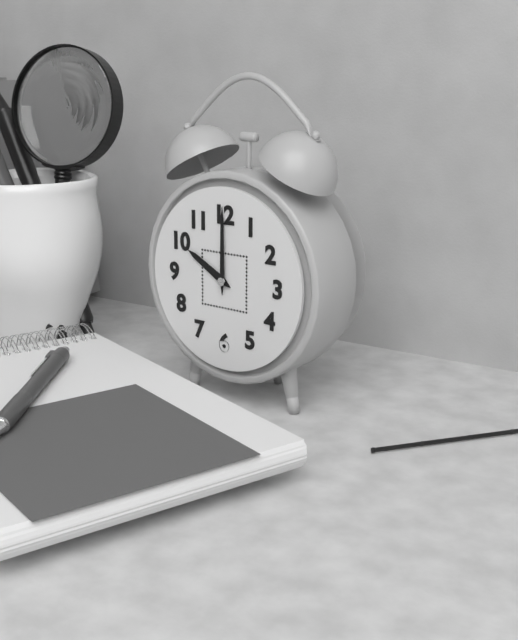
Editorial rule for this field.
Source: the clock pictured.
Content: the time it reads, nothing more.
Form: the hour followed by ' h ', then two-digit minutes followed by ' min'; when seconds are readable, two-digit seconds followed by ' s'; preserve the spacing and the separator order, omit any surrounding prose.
10 h 00 min
